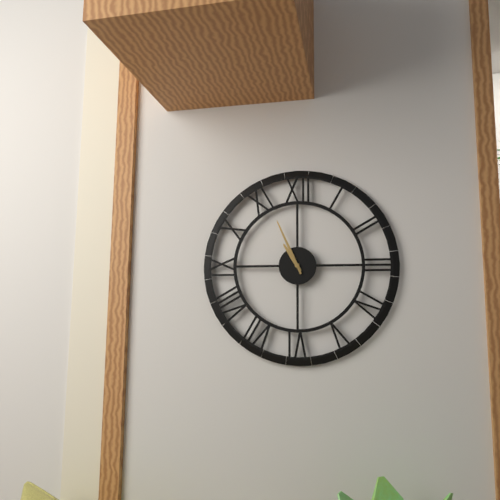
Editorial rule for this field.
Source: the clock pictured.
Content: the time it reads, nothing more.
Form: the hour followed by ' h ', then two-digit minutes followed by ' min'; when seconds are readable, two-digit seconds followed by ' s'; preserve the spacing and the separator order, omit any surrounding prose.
10 h 56 min
